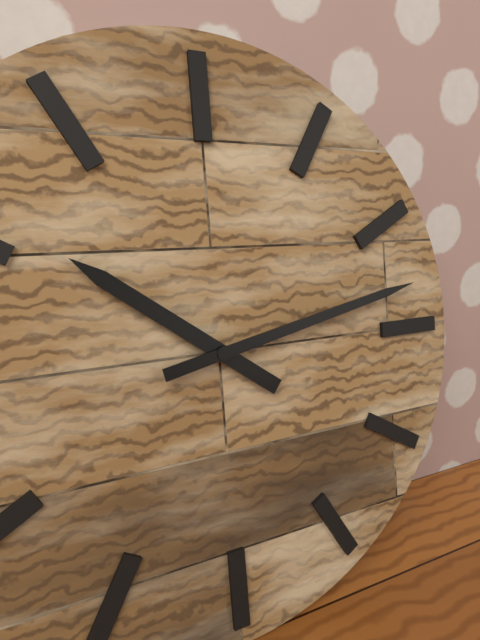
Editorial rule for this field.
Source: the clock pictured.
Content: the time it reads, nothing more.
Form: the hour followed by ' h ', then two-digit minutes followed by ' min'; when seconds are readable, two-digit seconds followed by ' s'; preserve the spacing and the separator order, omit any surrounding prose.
10 h 13 min
